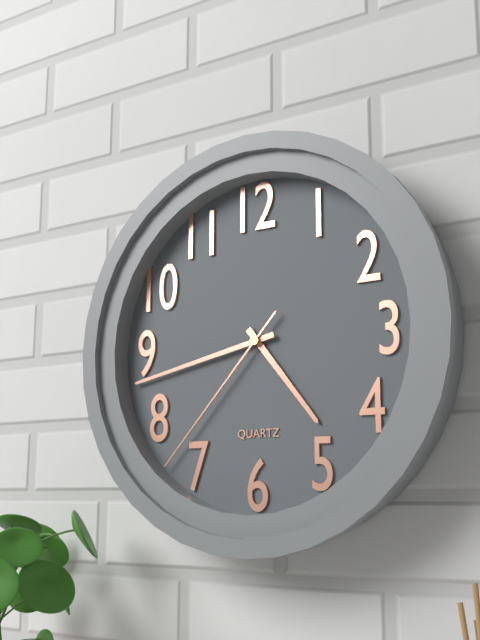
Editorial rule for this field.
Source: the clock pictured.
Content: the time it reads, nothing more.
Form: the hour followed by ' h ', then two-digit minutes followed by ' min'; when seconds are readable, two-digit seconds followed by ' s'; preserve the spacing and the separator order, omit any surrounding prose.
4 h 43 min 37 s
